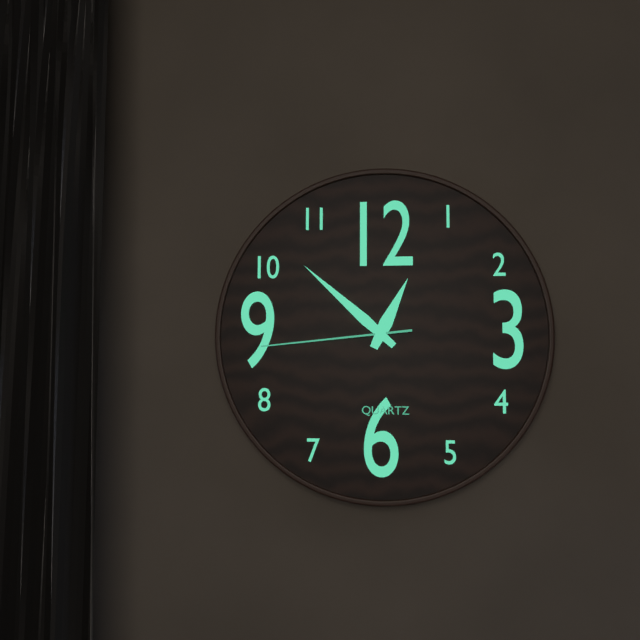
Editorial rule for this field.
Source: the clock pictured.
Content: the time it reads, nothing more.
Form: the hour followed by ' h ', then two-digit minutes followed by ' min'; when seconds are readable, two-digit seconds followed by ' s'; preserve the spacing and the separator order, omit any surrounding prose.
12 h 52 min 44 s
